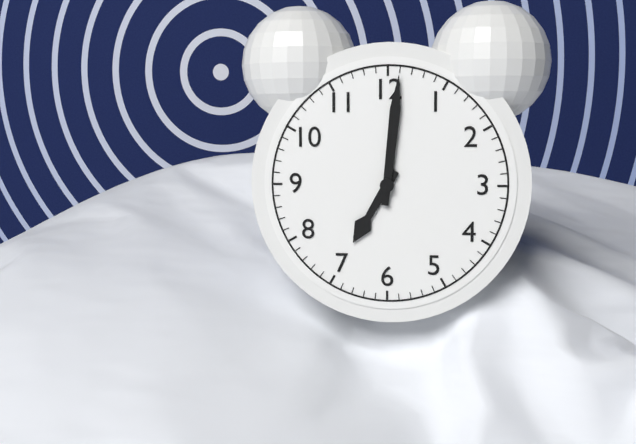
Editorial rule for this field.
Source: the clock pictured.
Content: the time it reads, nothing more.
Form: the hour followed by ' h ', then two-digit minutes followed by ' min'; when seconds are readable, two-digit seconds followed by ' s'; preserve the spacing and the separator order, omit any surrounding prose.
7 h 01 min
